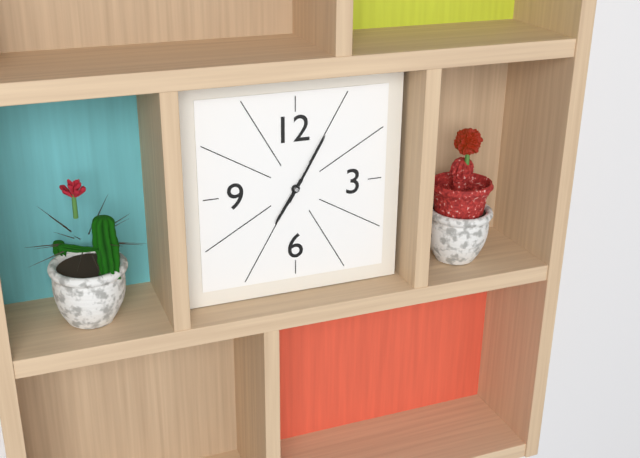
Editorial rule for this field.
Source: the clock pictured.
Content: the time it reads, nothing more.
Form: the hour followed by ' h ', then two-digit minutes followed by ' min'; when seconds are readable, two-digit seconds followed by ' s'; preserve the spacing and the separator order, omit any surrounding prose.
7 h 05 min
